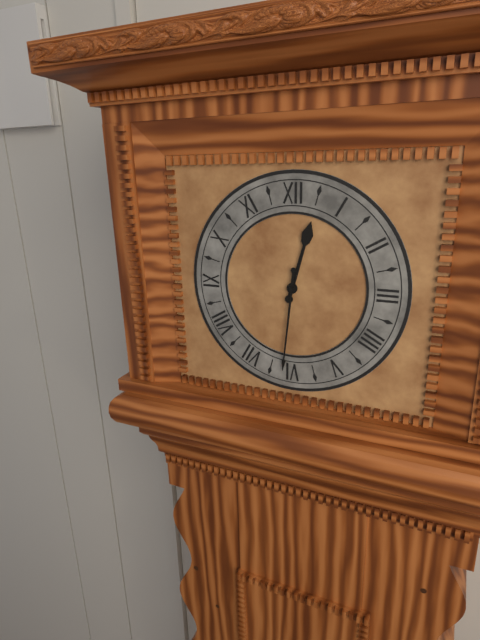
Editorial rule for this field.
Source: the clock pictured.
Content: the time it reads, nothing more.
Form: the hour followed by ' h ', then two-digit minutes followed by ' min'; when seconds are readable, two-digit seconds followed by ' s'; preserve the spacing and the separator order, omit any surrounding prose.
12 h 31 min
